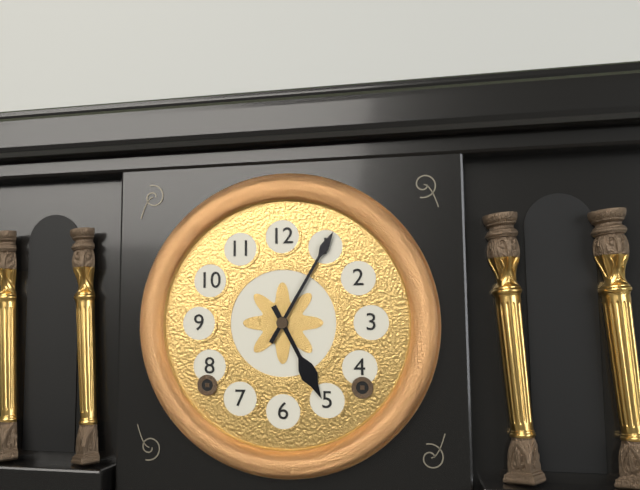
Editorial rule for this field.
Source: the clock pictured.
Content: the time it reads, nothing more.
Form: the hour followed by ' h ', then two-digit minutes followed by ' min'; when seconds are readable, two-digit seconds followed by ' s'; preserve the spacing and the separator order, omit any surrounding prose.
5 h 05 min
